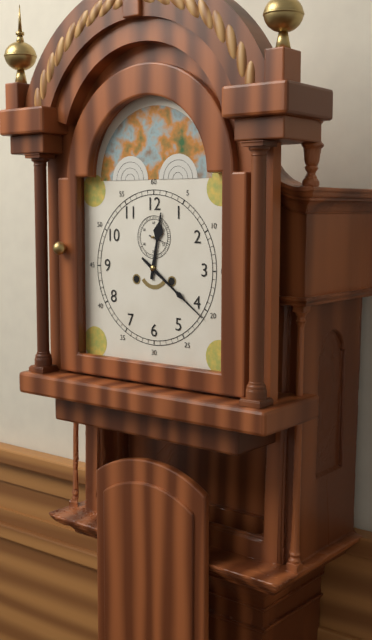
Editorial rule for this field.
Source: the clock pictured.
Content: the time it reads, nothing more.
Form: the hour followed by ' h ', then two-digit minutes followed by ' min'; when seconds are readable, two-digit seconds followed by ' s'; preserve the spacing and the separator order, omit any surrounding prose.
12 h 21 min
